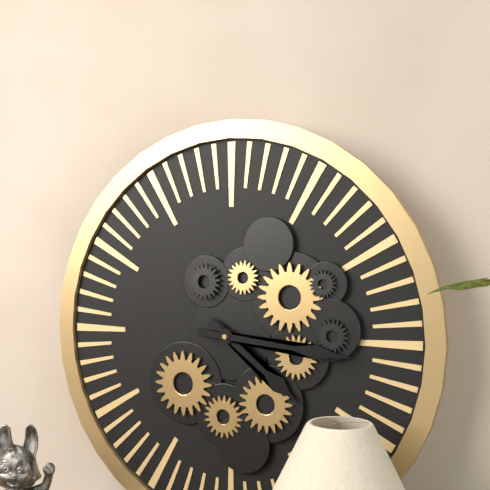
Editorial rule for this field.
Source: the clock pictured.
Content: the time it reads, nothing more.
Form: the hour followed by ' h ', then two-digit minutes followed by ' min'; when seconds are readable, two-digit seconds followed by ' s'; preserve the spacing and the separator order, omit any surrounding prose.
4 h 16 min
